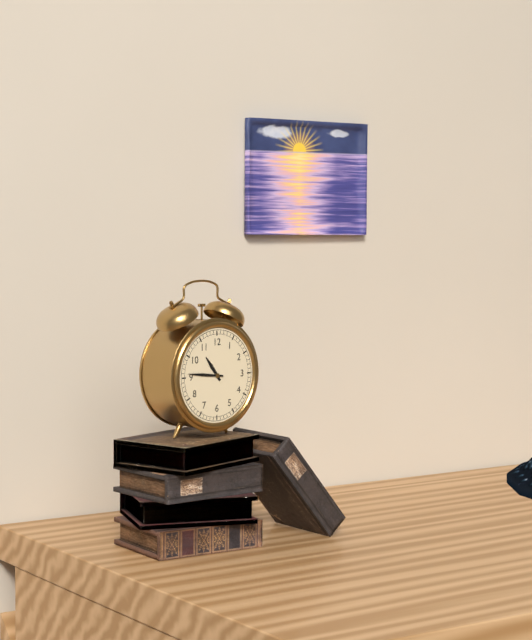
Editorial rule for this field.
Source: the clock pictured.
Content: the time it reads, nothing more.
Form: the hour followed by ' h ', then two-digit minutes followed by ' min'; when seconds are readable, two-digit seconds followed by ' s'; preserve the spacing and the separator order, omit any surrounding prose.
10 h 46 min
